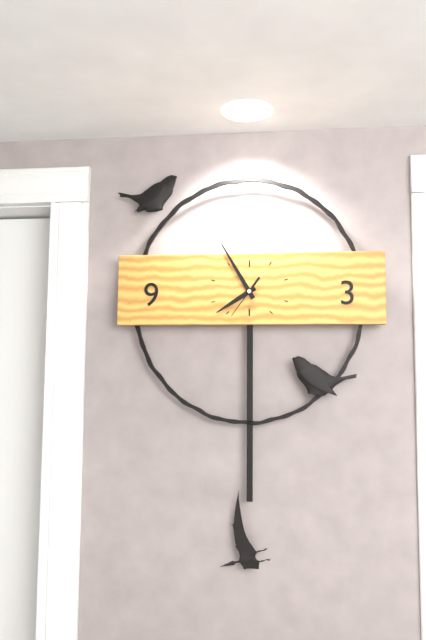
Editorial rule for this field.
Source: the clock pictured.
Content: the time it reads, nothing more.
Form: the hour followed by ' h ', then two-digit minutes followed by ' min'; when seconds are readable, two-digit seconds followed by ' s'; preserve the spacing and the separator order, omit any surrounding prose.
7 h 55 min
